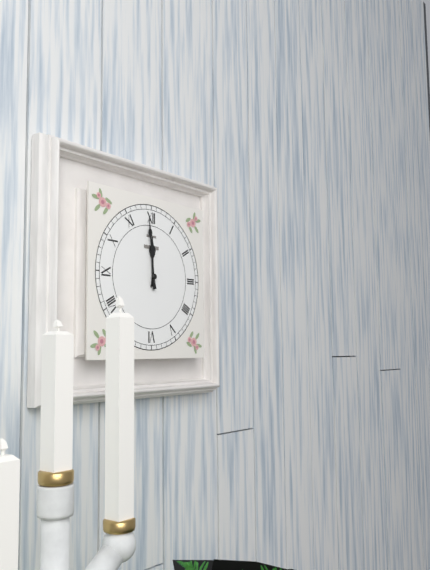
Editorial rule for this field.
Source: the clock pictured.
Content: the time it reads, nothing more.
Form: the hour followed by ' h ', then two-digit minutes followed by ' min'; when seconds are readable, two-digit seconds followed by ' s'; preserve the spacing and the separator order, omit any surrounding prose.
11 h 59 min
